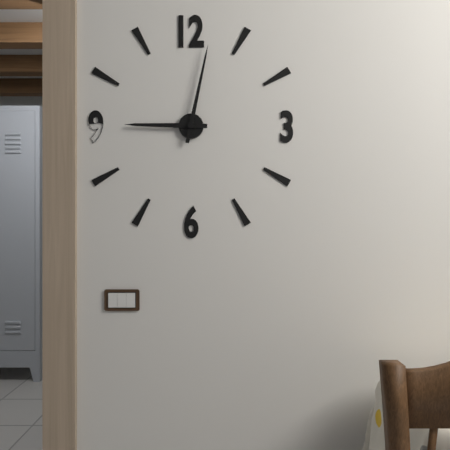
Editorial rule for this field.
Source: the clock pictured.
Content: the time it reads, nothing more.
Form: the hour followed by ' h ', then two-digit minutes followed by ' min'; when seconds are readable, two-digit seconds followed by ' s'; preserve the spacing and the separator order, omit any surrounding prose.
9 h 02 min
